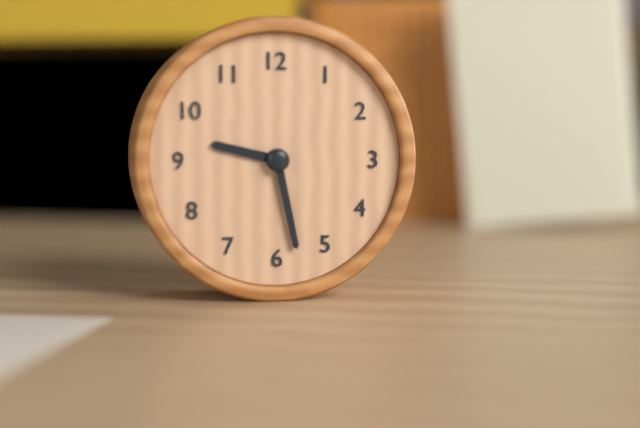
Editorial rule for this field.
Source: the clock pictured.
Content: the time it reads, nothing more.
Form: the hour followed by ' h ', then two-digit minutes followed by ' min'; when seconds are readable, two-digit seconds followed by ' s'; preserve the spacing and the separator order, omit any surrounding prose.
9 h 28 min
